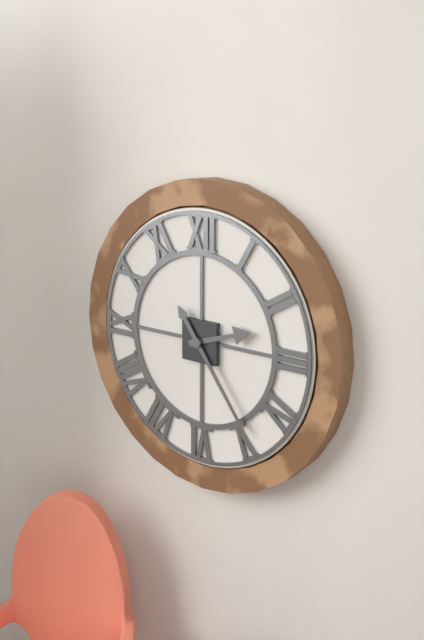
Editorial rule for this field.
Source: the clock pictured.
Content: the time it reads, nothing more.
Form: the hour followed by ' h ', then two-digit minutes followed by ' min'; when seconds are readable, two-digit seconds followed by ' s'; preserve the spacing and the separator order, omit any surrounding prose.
2 h 24 min
